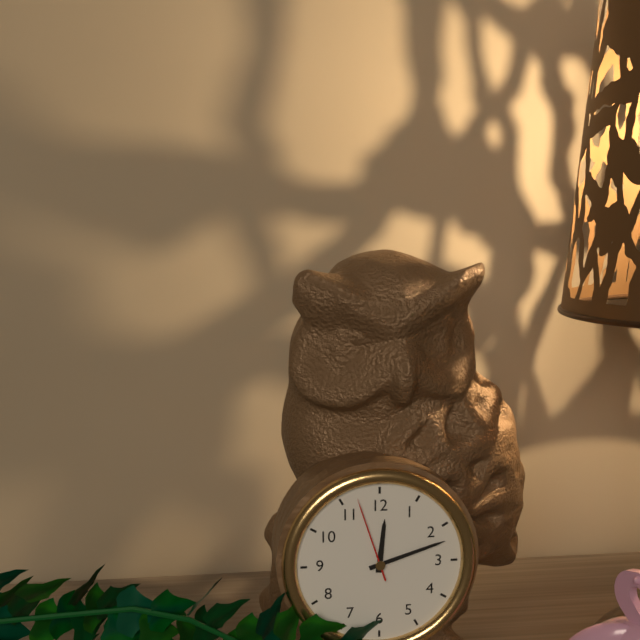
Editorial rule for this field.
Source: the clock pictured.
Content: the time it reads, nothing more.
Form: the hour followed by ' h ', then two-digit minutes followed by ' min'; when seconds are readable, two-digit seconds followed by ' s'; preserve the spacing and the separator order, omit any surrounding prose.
12 h 12 min 57 s
